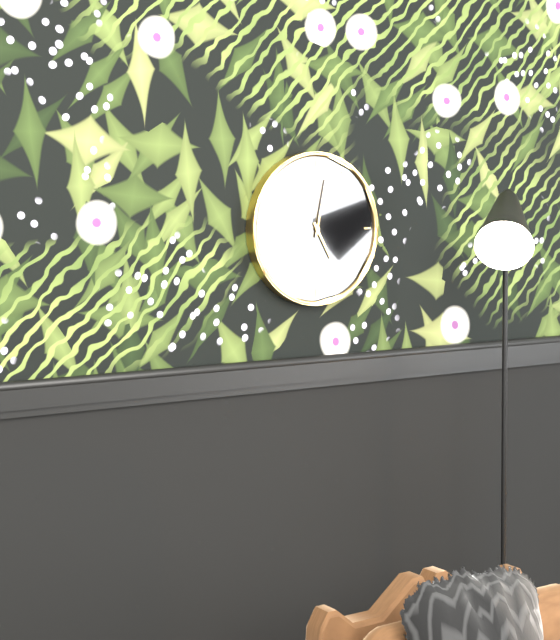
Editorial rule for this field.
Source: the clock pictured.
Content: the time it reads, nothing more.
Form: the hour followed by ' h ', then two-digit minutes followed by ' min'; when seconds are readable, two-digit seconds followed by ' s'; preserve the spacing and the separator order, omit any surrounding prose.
5 h 02 min
